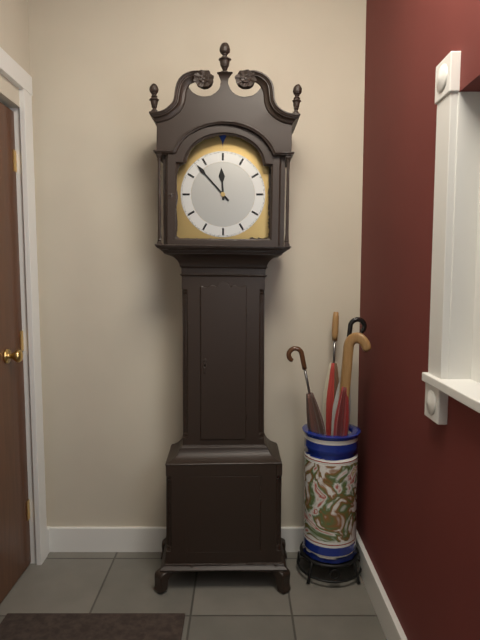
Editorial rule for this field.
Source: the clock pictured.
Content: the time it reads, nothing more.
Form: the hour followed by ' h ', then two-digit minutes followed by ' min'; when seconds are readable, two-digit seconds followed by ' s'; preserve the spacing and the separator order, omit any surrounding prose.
11 h 53 min
